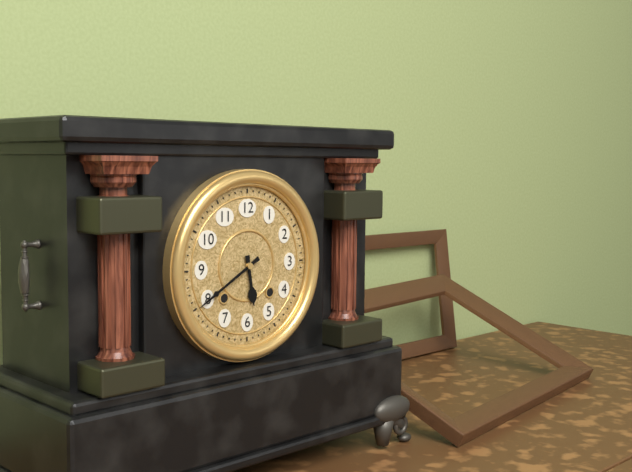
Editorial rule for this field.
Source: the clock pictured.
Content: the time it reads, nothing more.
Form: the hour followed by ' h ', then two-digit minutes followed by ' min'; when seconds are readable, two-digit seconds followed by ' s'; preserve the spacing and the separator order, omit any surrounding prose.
5 h 40 min
